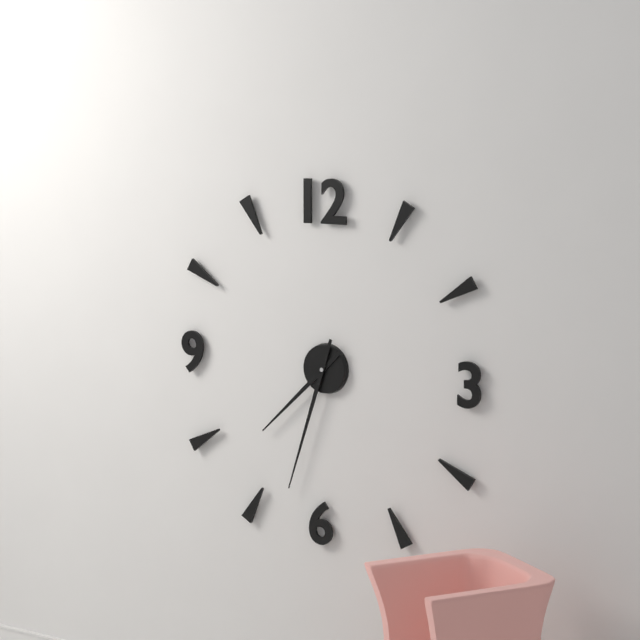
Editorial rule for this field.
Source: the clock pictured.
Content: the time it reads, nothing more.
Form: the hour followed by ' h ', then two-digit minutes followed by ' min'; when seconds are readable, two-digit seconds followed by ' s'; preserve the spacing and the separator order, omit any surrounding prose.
7 h 33 min
